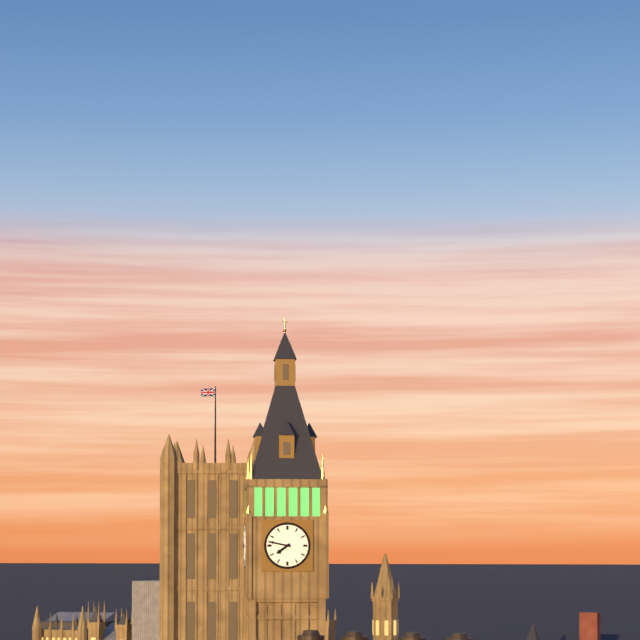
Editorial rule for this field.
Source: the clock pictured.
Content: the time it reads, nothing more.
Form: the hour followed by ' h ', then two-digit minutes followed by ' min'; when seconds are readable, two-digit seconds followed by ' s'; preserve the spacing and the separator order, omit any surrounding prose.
7 h 47 min
